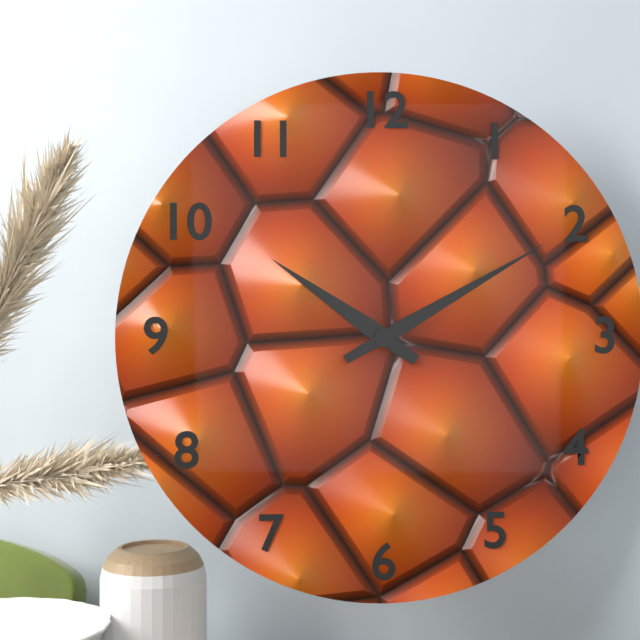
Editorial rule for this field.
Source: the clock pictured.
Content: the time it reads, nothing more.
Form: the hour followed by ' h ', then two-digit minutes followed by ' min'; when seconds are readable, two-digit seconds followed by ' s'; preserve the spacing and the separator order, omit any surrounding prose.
10 h 10 min
